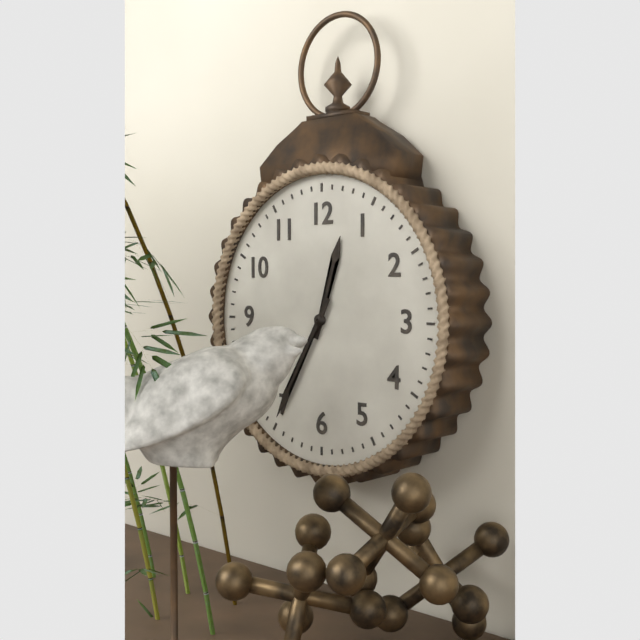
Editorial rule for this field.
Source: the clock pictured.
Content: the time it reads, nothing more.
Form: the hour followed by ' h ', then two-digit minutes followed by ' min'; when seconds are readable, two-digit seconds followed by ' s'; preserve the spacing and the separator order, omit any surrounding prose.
12 h 35 min
